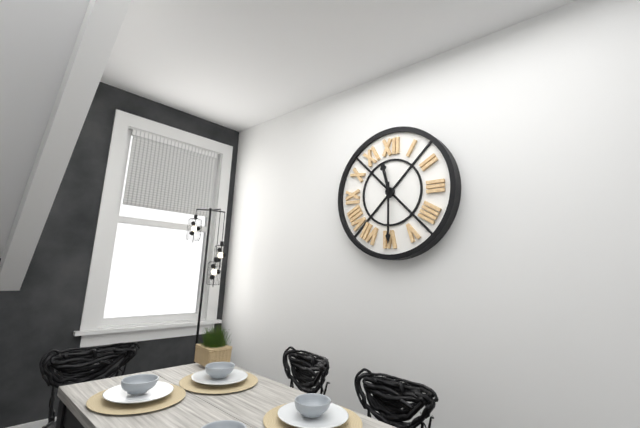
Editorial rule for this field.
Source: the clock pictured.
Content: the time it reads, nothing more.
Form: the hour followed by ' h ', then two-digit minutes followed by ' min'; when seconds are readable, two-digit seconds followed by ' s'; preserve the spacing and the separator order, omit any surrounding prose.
11 h 30 min
